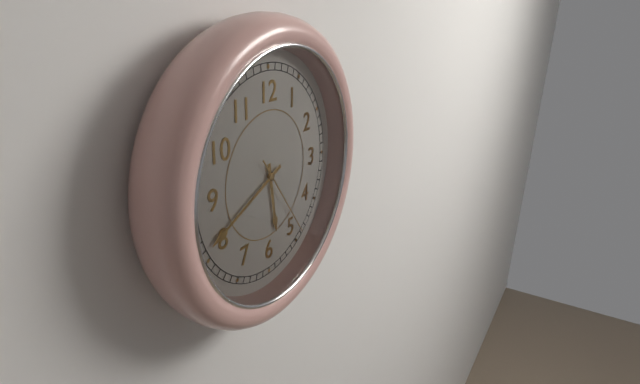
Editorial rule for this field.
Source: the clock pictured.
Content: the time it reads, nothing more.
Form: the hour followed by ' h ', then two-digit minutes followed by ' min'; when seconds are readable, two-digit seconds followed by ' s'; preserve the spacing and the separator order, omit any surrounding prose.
5 h 41 min 24 s
